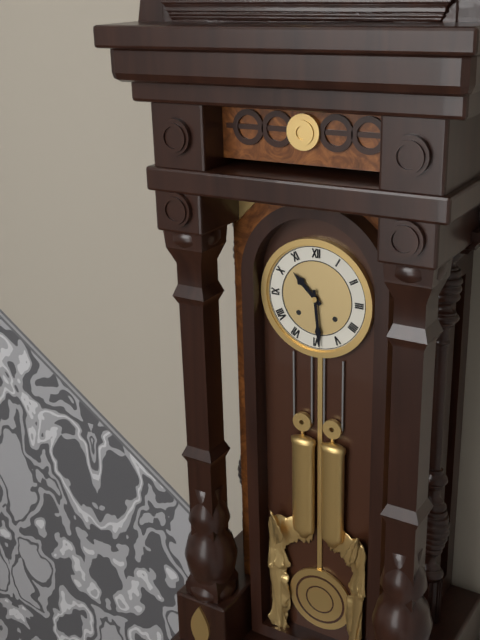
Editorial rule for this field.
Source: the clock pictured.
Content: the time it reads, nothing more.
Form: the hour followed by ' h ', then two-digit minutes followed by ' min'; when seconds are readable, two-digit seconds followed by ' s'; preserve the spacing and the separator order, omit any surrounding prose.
10 h 29 min
